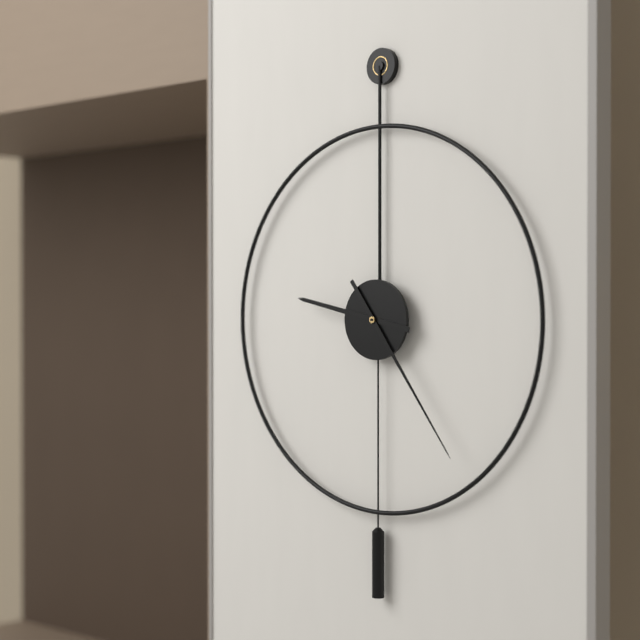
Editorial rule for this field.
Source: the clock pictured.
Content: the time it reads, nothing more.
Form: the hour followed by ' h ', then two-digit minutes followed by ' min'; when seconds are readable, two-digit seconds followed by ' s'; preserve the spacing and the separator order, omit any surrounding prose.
9 h 24 min
